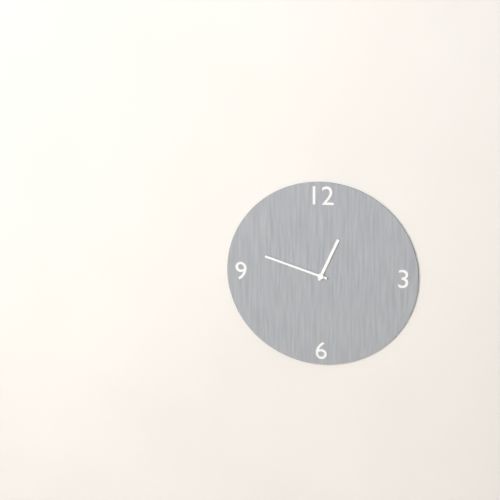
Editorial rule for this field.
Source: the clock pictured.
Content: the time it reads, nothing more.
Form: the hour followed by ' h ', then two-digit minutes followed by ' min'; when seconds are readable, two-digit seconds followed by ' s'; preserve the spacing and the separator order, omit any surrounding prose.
12 h 48 min
